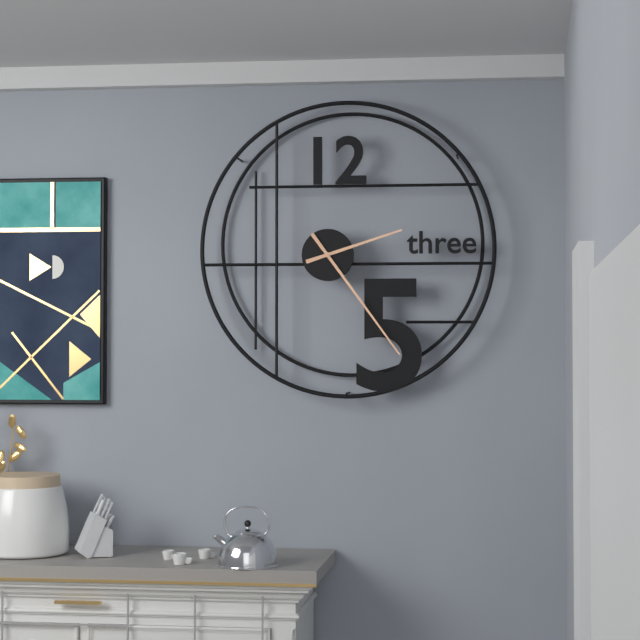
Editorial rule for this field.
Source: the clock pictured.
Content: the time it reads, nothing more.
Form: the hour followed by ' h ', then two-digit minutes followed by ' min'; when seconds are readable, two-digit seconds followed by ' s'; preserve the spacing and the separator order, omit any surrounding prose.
2 h 24 min
